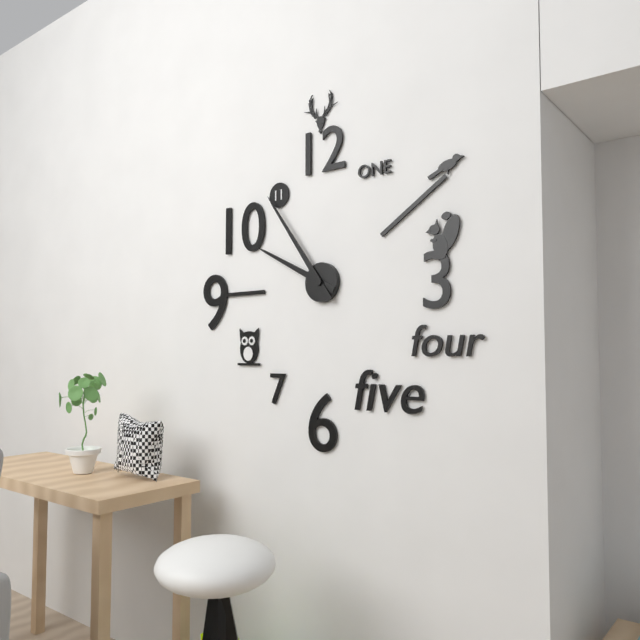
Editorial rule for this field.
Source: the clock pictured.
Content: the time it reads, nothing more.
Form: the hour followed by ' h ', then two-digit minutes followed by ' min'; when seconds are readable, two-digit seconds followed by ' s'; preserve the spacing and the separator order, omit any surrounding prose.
9 h 54 min
